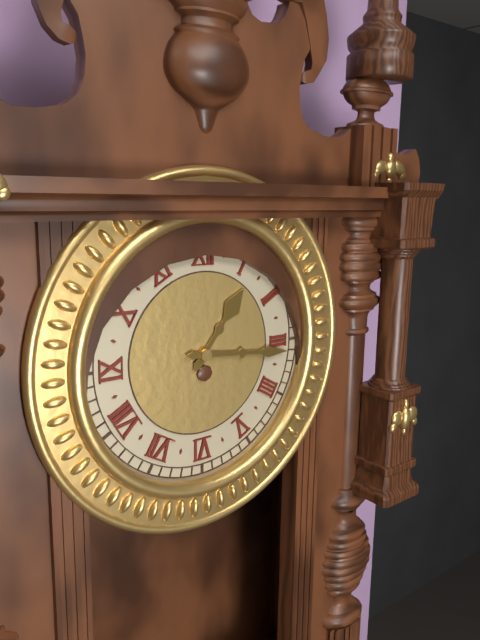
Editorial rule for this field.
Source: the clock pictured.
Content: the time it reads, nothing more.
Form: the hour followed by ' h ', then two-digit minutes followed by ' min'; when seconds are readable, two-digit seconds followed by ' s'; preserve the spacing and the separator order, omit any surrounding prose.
1 h 16 min
